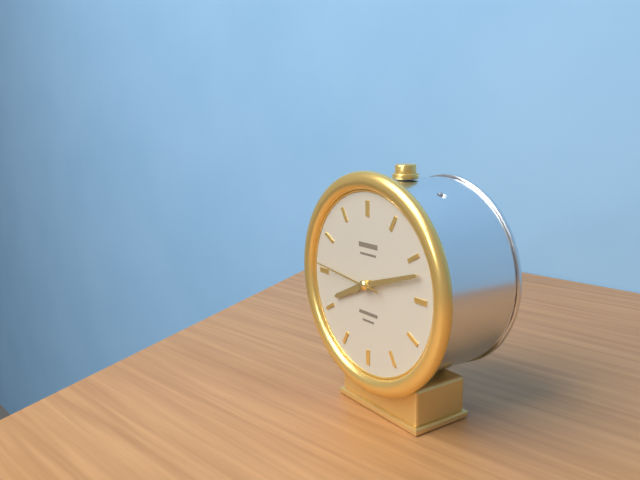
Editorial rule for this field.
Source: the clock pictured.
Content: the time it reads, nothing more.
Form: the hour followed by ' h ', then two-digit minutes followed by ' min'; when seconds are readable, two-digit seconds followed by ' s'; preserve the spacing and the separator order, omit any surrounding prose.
8 h 12 min 46 s
